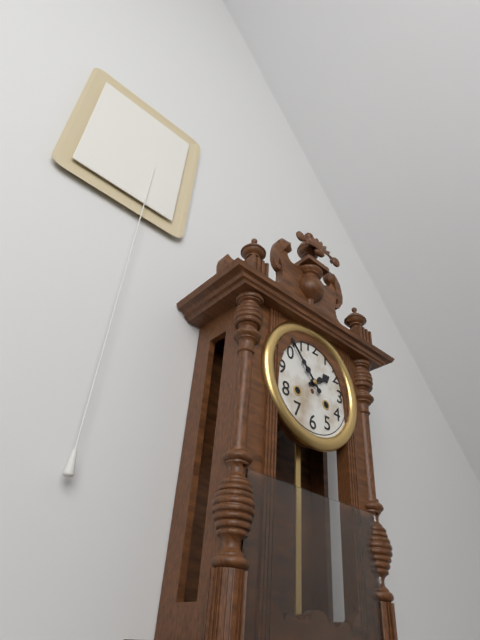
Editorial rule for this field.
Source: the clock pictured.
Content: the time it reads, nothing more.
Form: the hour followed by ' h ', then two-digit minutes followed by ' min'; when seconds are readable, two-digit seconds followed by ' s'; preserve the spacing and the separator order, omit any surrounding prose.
1 h 53 min
